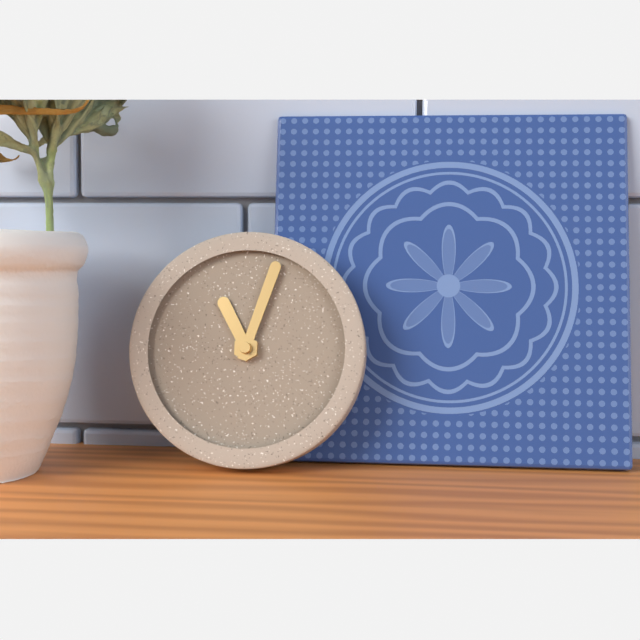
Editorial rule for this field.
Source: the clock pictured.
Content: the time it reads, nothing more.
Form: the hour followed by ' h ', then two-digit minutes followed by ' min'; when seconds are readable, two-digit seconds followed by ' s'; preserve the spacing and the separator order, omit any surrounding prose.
11 h 03 min
